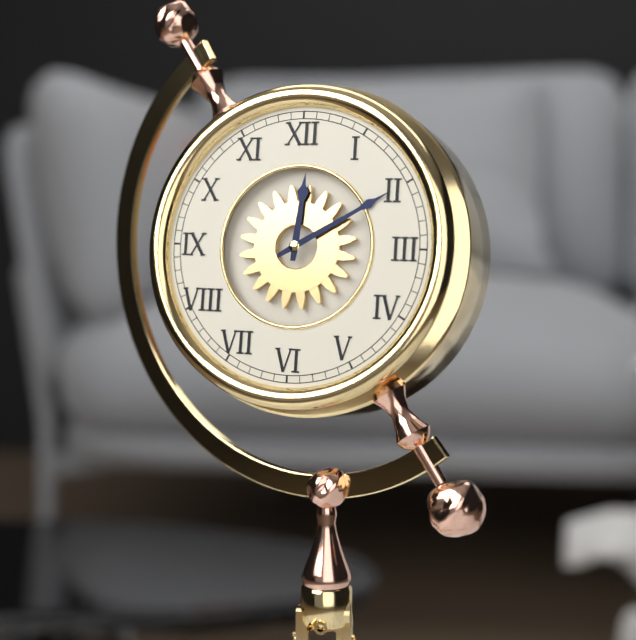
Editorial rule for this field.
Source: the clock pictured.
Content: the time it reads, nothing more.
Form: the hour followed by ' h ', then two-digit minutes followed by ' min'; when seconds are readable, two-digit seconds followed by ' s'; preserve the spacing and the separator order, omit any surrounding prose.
12 h 10 min
